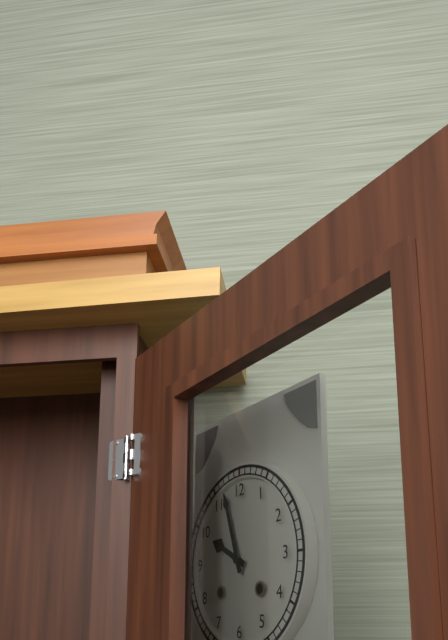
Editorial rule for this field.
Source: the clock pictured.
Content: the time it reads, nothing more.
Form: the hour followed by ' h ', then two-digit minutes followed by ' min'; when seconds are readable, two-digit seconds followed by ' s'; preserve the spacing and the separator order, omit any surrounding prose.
9 h 57 min
